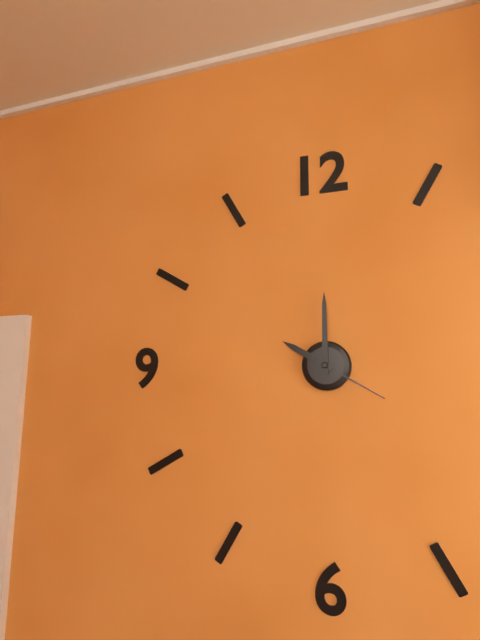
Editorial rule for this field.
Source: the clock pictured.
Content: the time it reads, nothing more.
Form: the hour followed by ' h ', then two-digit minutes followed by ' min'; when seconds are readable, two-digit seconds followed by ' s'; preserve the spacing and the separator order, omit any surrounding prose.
10 h 00 min 20 s
